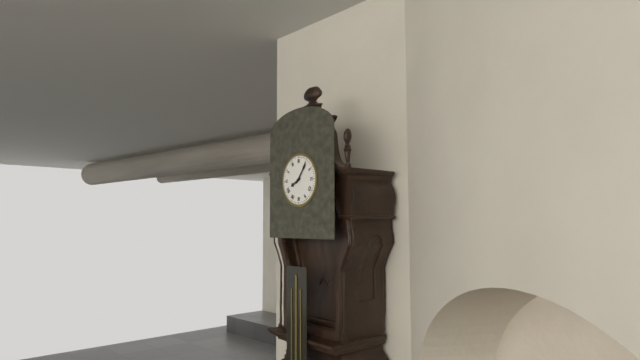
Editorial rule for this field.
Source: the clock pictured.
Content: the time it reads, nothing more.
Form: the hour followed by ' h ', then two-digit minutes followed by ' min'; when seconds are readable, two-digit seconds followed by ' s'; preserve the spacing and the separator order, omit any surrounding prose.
8 h 06 min
